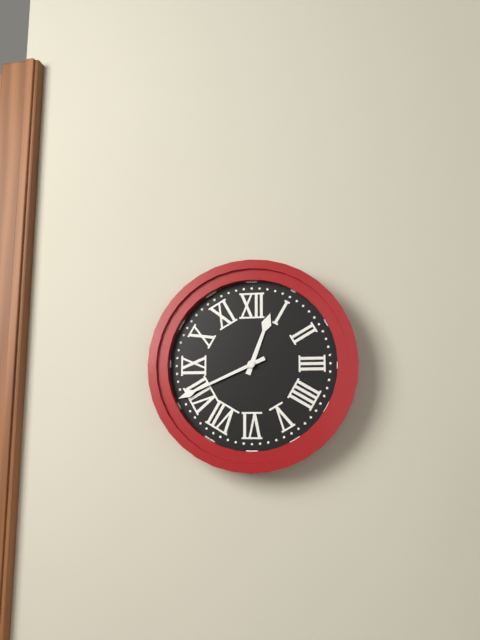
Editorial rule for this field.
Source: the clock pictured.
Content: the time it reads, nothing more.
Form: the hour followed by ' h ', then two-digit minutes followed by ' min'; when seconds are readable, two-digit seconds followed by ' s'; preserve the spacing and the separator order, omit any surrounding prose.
12 h 41 min
